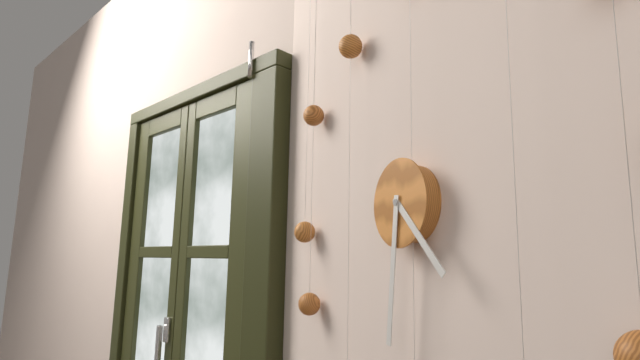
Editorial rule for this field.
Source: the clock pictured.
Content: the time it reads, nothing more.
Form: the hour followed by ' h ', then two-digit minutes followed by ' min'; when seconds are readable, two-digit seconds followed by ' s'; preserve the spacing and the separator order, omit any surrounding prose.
4 h 31 min
